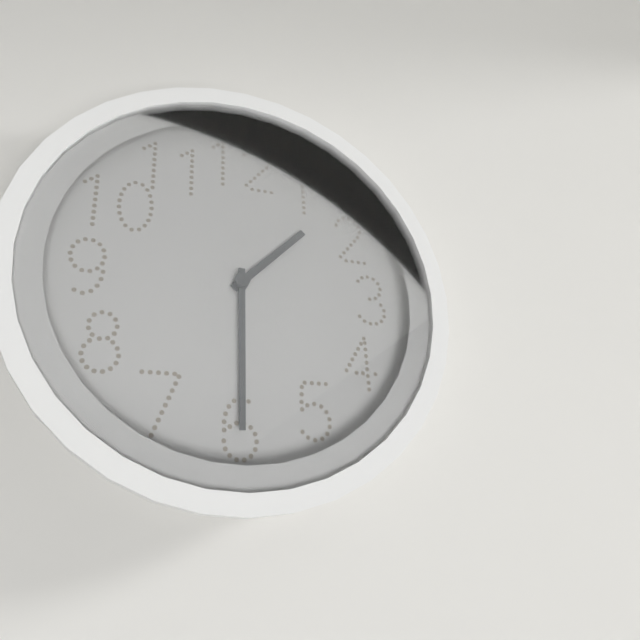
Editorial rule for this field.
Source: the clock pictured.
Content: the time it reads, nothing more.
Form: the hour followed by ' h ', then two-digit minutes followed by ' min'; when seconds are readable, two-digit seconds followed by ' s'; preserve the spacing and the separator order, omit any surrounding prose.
1 h 30 min
